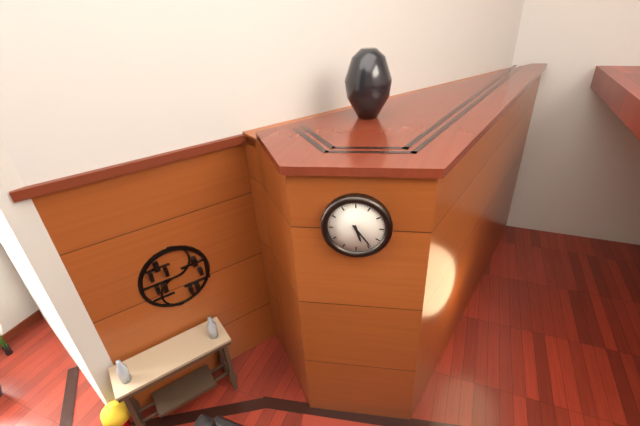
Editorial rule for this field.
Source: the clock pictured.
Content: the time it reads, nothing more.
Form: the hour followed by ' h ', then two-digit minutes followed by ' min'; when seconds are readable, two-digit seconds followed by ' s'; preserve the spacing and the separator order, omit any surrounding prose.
5 h 24 min
